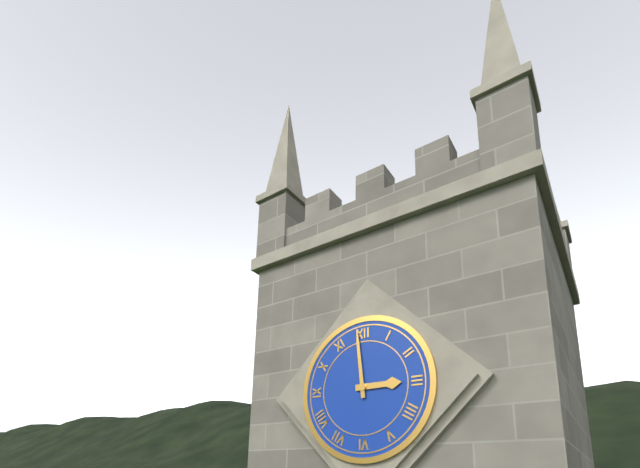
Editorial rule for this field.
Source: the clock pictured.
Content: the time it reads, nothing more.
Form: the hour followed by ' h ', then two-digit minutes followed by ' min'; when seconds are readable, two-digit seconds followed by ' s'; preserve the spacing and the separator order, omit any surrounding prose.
2 h 59 min
